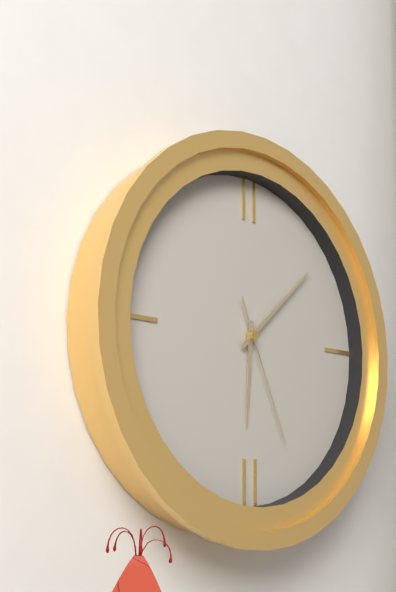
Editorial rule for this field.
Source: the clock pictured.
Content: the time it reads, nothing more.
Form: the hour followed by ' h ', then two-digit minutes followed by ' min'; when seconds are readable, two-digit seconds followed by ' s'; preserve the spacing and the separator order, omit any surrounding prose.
6 h 08 min 26 s
